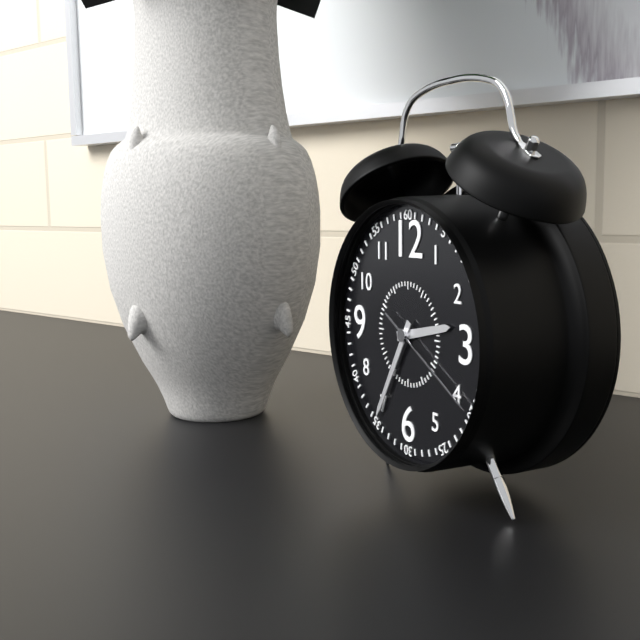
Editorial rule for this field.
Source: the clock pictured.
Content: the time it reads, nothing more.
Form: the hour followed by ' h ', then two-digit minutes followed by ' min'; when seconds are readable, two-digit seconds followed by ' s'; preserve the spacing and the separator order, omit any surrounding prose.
2 h 35 min 20 s
